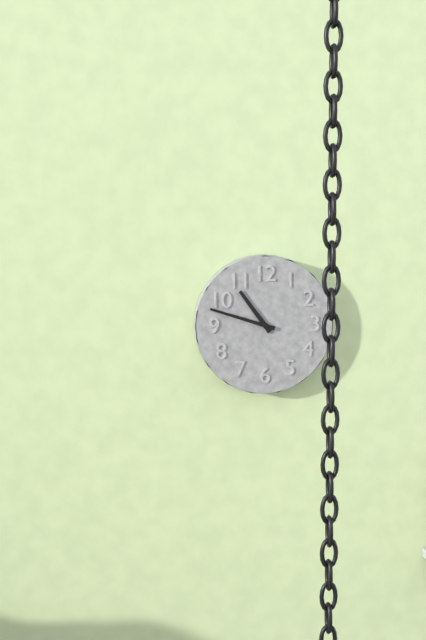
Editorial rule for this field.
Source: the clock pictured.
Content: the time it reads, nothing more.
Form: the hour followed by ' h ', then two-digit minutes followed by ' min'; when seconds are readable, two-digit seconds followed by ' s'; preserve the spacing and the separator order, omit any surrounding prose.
10 h 48 min
